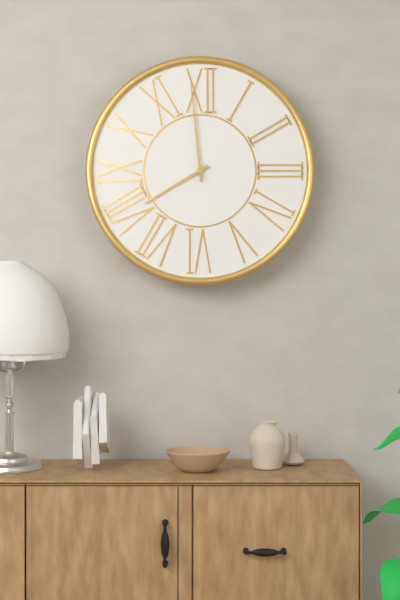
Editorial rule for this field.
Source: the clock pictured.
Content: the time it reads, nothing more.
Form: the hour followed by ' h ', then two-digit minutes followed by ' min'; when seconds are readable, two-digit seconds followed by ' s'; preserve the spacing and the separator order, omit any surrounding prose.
7 h 59 min
